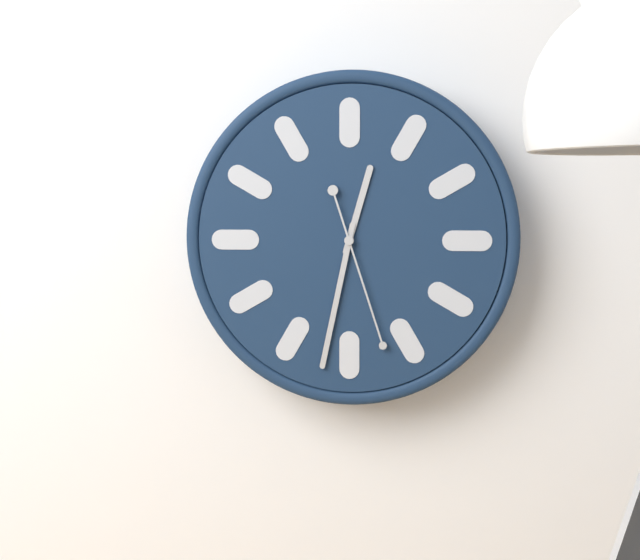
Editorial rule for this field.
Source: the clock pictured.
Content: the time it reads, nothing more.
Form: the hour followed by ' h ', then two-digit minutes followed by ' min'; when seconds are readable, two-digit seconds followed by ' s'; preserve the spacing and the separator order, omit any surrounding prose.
12 h 32 min 27 s
